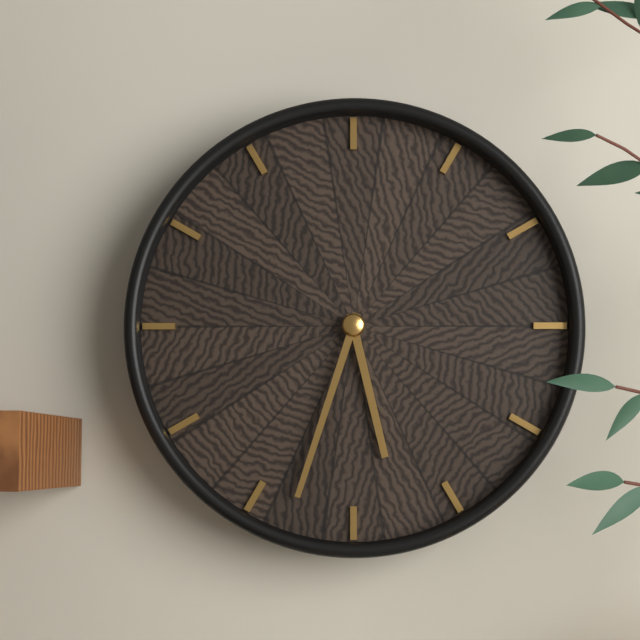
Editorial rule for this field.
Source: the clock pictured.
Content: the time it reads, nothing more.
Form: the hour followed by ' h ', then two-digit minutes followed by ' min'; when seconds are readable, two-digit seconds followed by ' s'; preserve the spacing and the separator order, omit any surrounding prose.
5 h 33 min
